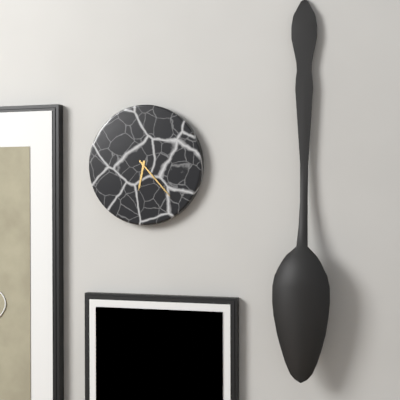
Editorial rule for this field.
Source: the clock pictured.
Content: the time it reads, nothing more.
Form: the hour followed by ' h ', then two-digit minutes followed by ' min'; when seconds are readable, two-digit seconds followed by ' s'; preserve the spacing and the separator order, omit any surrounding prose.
6 h 23 min
